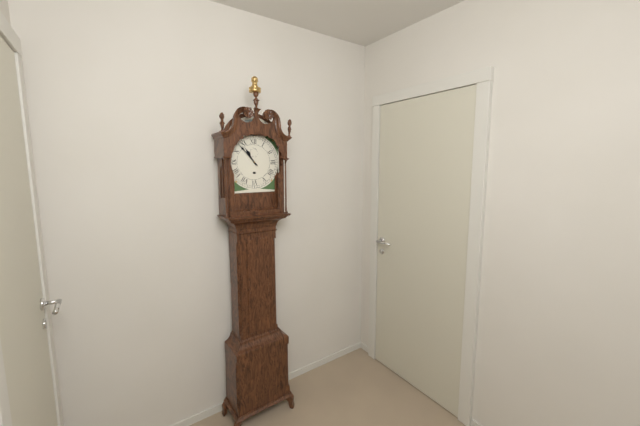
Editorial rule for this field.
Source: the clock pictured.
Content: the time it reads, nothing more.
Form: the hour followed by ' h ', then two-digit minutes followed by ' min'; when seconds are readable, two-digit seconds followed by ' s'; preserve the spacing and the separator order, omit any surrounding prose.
10 h 53 min
